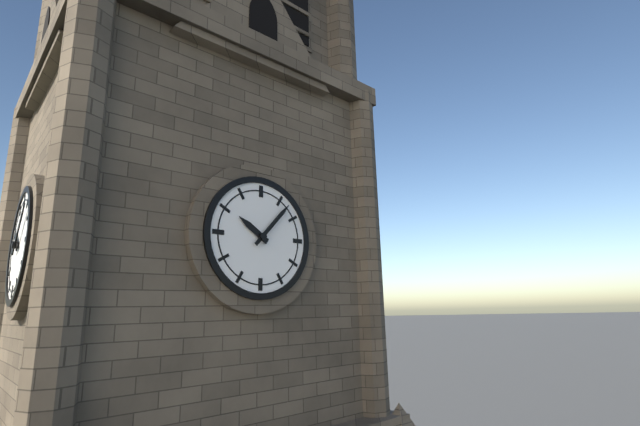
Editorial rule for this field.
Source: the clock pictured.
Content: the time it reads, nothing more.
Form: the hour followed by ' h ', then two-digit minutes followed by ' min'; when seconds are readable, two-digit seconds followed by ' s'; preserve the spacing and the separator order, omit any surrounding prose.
10 h 07 min
